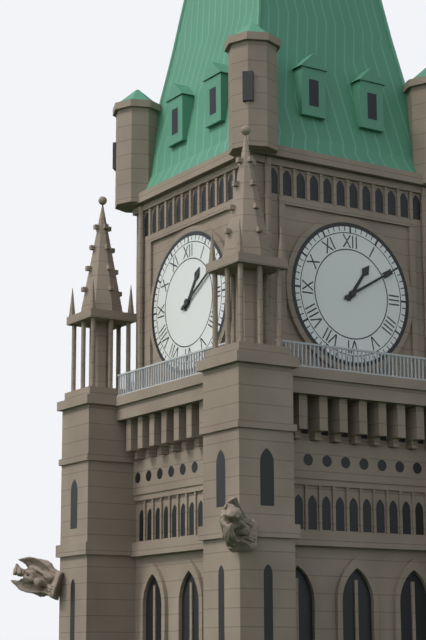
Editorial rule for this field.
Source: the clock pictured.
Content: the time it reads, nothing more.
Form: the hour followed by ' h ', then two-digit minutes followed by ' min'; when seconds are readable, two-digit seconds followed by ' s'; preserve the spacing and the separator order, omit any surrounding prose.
1 h 10 min
